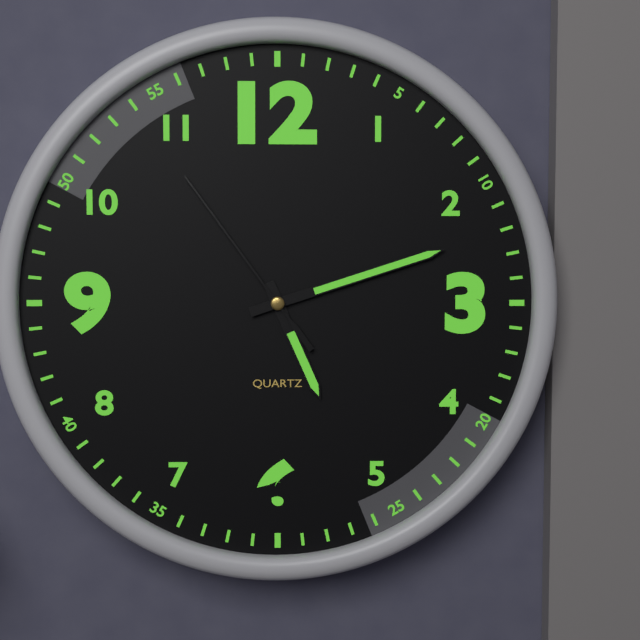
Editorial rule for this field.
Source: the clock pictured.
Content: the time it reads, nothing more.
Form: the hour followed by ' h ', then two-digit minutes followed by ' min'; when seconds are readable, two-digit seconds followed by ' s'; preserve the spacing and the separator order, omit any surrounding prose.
5 h 12 min 54 s
